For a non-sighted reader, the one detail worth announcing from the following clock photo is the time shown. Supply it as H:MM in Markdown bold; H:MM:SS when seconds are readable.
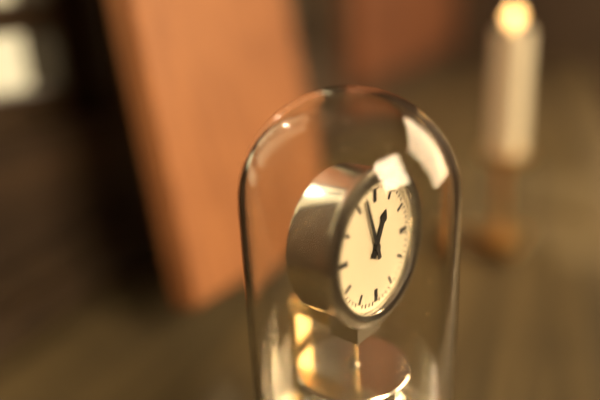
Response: **12:57**
